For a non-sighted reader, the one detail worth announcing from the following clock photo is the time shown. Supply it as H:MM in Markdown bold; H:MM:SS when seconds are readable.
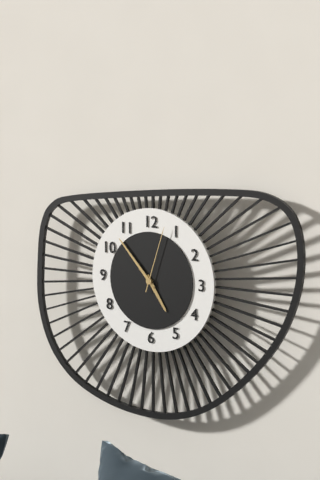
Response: **4:53:03**
